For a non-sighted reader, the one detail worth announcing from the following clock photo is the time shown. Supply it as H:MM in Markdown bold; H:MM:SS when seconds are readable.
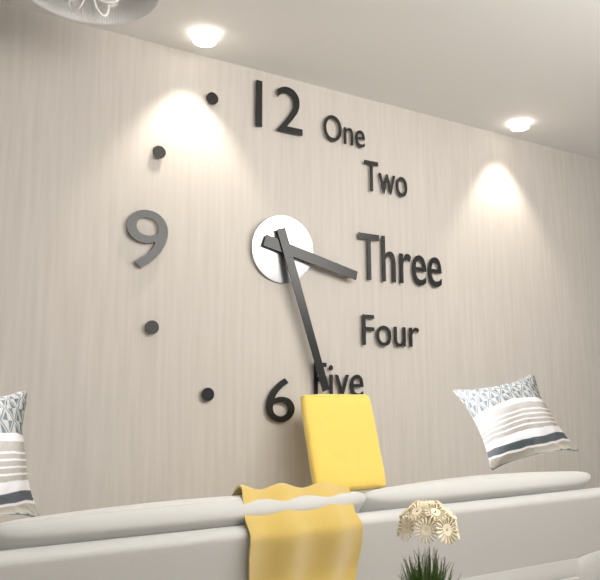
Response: **3:27**
